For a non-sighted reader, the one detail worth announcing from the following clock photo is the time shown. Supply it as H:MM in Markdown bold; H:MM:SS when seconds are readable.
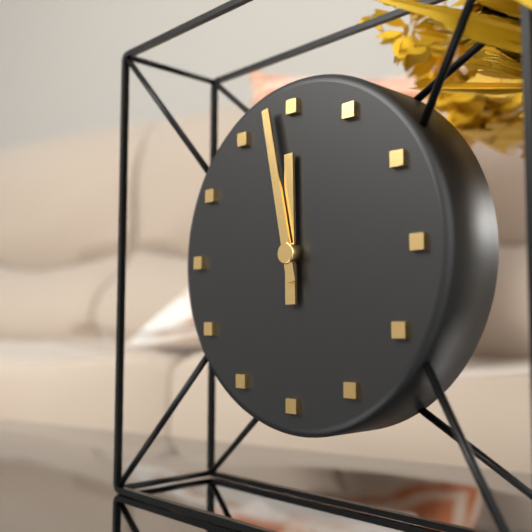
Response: **11:58**
